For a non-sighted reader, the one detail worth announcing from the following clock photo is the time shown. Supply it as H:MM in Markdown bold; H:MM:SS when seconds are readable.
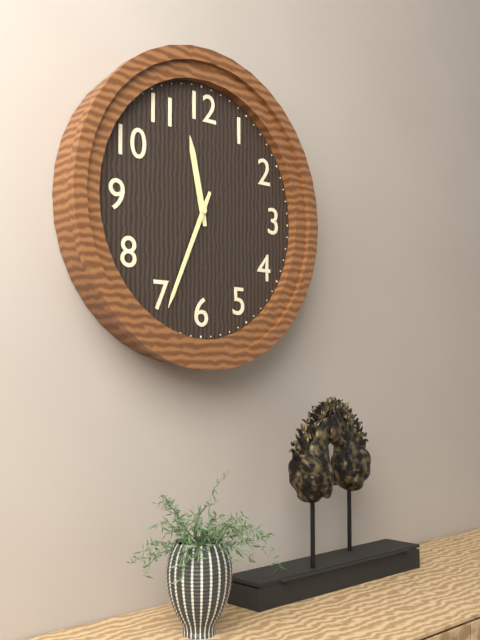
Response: **11:34**
